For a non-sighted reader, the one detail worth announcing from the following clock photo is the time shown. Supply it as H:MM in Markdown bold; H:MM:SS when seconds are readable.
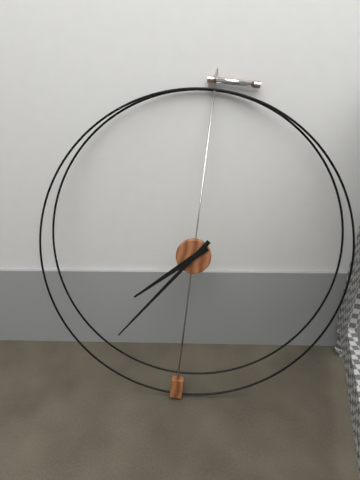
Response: **7:36**
